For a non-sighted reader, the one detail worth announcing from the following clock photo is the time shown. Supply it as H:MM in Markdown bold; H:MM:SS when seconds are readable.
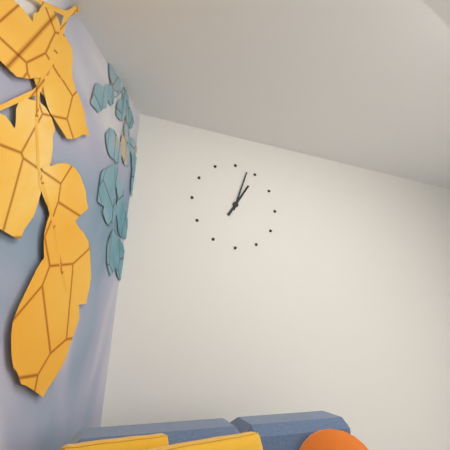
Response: **1:03**
